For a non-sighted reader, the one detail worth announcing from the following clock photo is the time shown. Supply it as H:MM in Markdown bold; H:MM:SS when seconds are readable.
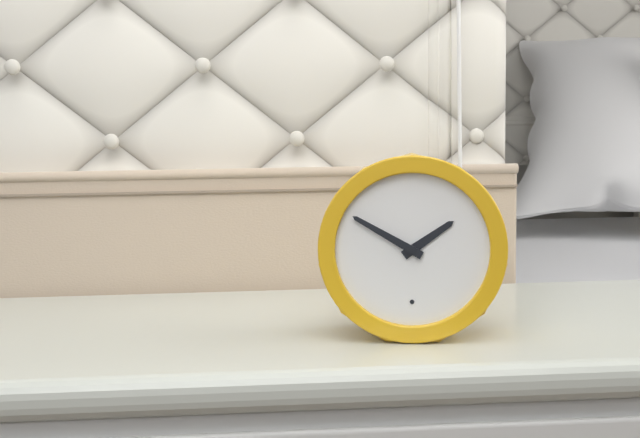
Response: **1:50**
